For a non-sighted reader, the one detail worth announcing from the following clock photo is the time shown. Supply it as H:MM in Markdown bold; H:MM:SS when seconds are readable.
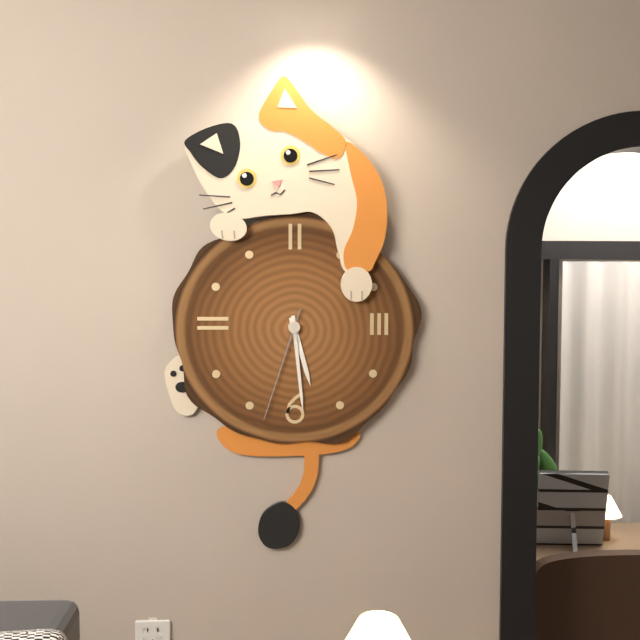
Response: **5:29:33**
